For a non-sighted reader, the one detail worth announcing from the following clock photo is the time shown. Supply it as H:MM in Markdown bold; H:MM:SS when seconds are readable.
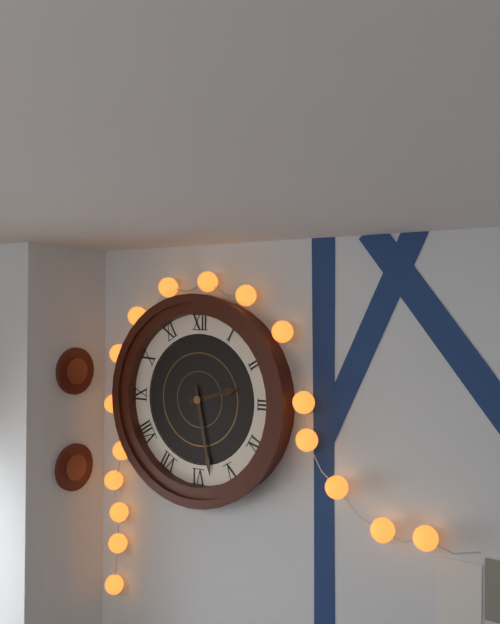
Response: **2:28**
